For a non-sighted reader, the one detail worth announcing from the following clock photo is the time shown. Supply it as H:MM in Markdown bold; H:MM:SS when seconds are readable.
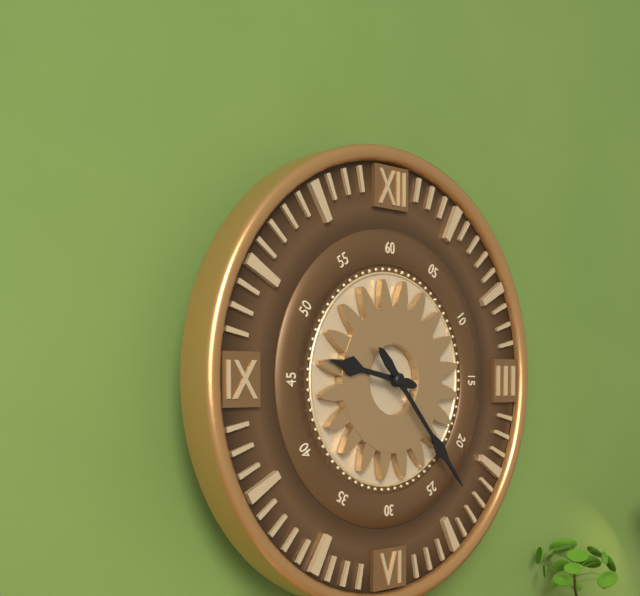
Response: **9:23**
